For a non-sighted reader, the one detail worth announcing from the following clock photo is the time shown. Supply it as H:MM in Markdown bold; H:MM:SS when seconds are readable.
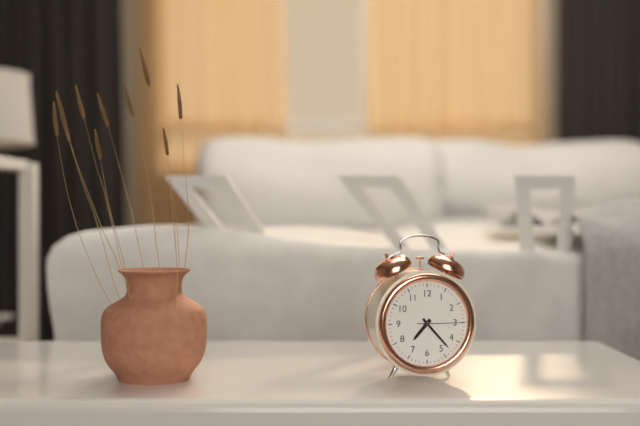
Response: **7:23**
